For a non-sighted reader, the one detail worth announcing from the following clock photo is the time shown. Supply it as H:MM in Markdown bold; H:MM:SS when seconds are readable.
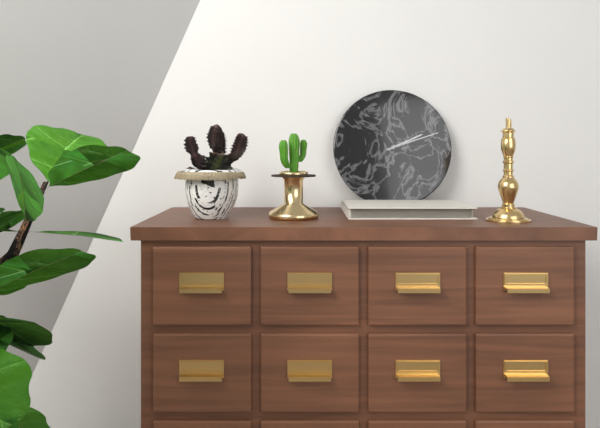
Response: **2:12**
